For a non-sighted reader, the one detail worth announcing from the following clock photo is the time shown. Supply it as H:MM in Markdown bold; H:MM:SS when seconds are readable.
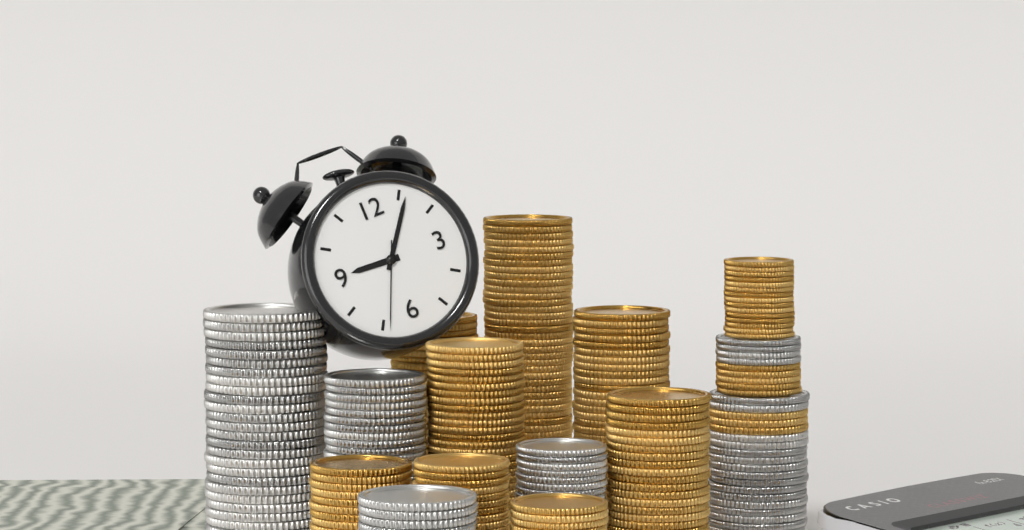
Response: **9:06:34**
